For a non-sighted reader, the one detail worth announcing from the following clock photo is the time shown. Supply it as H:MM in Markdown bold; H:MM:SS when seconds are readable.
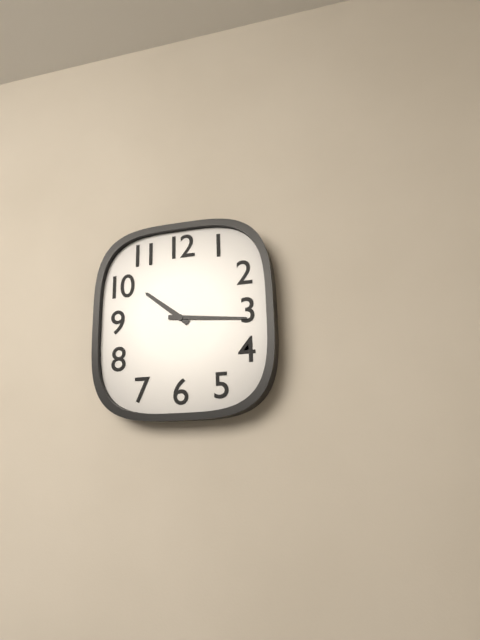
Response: **10:16**
